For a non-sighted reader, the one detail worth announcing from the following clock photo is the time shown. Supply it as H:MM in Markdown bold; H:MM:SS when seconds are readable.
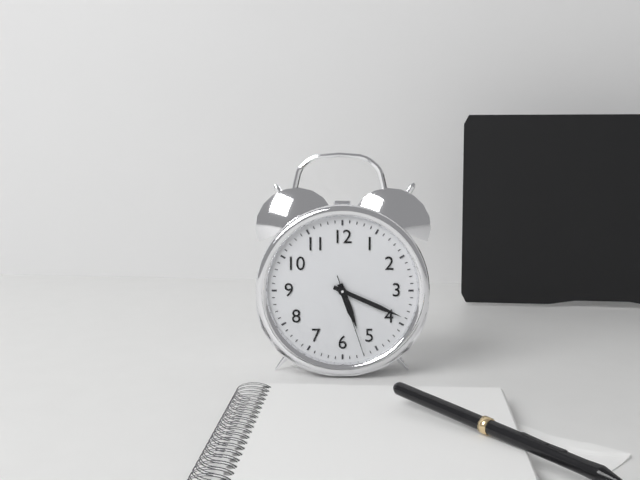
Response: **5:19:27**
